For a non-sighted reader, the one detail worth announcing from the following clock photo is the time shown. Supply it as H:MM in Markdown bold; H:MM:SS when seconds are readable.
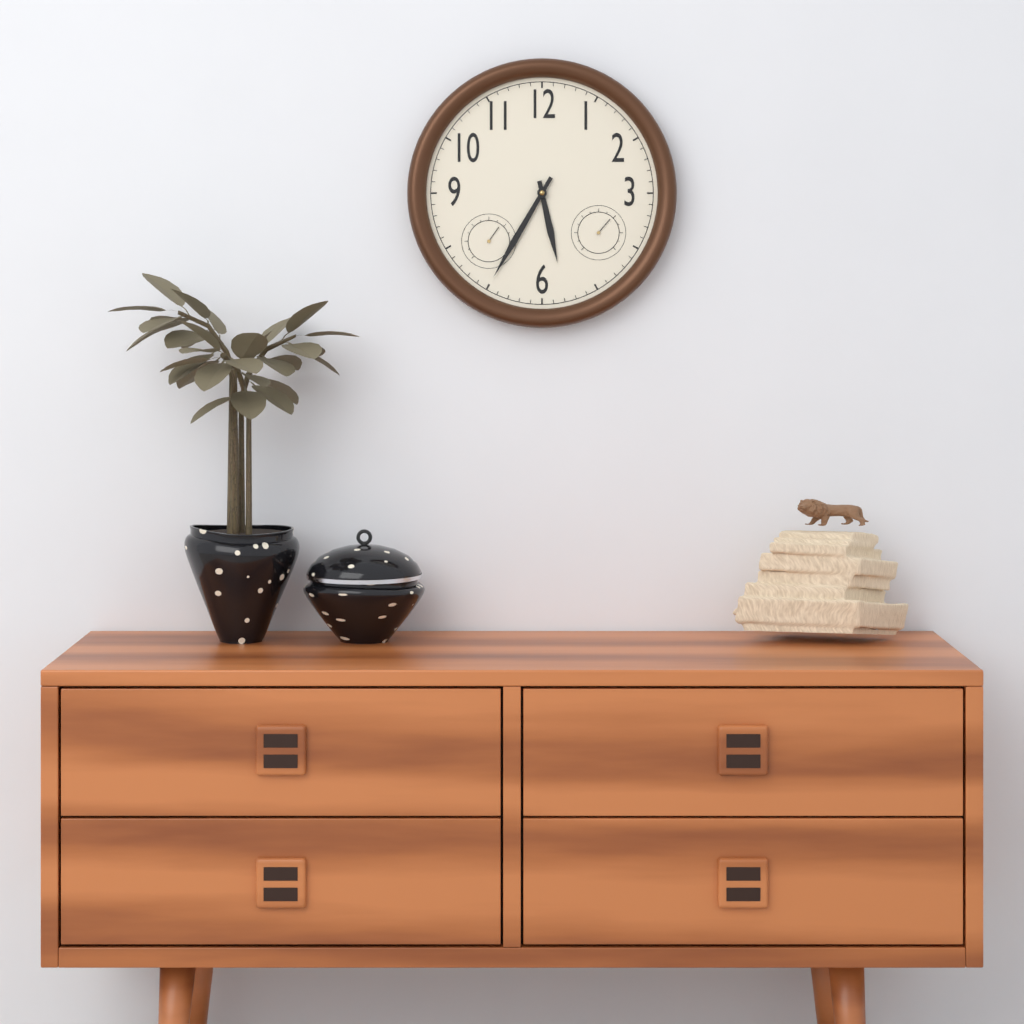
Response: **5:35**
